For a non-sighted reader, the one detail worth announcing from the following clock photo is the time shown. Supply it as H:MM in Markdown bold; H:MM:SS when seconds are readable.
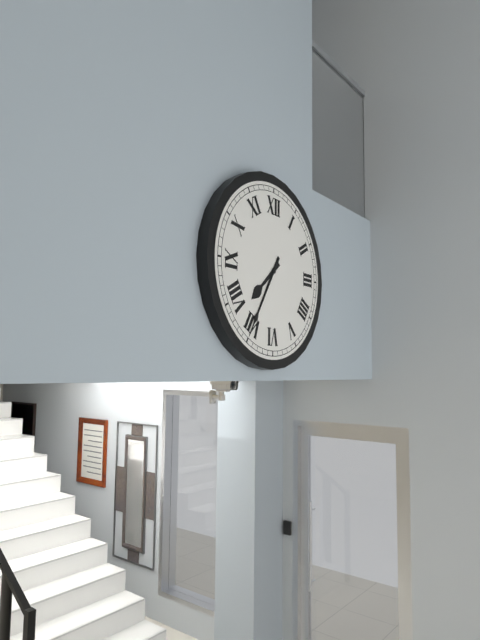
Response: **7:35**
